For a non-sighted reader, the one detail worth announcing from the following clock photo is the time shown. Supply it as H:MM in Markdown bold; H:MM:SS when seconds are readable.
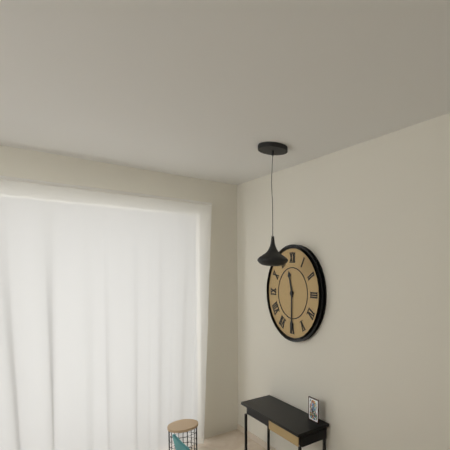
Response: **11:30**
